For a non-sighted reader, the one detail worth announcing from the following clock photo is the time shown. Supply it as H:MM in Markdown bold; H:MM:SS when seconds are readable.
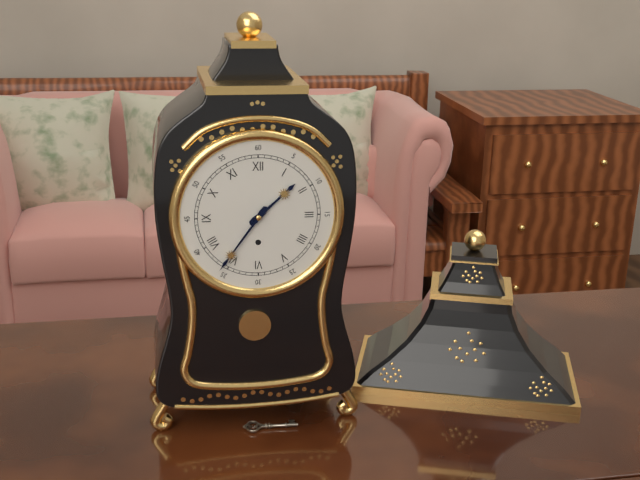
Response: **1:36**
